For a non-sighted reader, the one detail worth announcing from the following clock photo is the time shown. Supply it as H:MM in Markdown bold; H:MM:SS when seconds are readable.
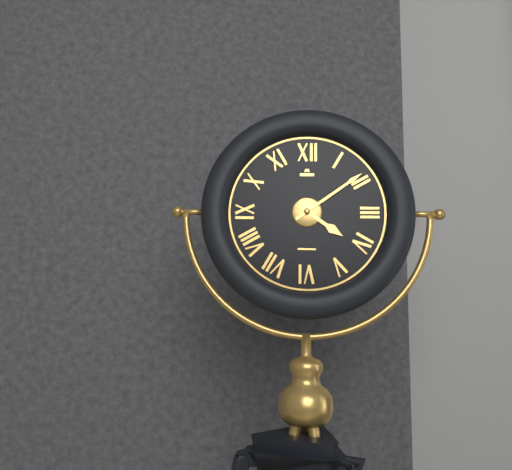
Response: **4:09**
